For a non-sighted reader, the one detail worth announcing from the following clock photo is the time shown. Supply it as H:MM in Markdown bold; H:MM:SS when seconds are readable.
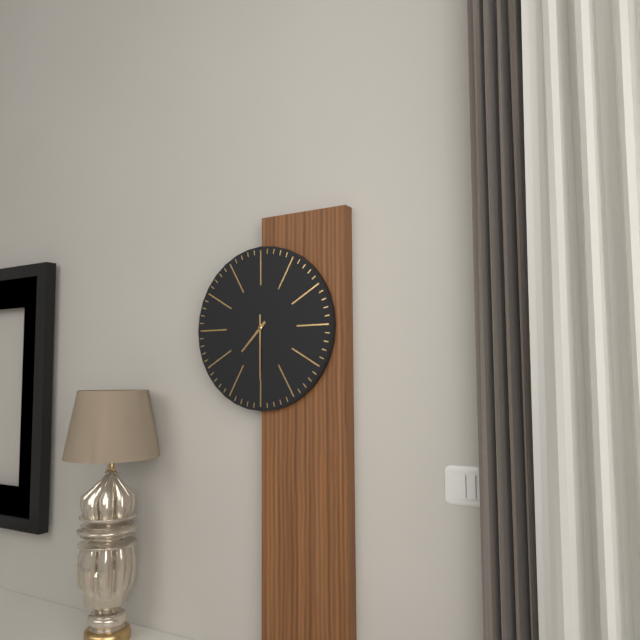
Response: **7:30**
